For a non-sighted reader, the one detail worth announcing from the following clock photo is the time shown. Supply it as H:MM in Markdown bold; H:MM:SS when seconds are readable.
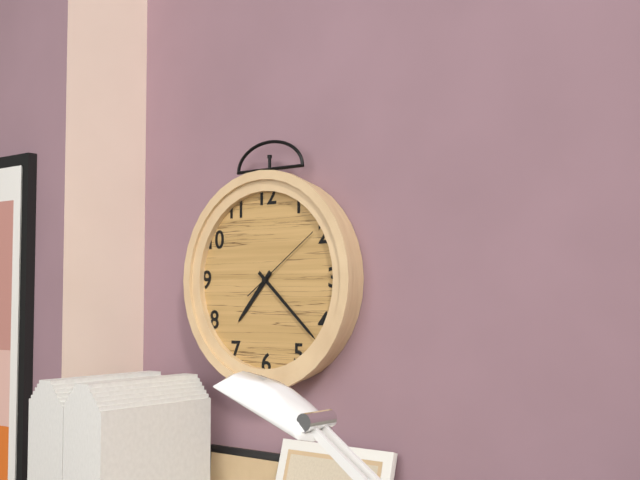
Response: **7:22:09**
